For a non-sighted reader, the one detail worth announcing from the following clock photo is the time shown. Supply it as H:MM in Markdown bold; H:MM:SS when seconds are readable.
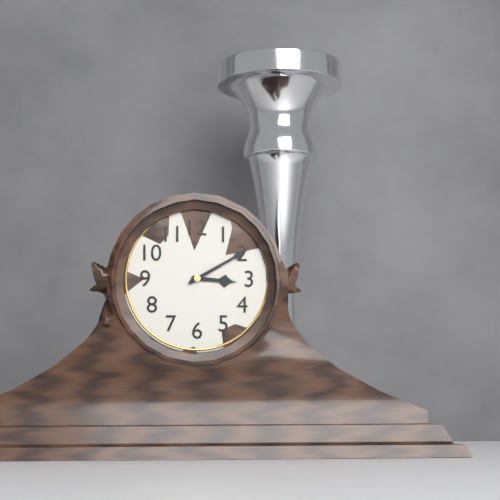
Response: **3:10**
